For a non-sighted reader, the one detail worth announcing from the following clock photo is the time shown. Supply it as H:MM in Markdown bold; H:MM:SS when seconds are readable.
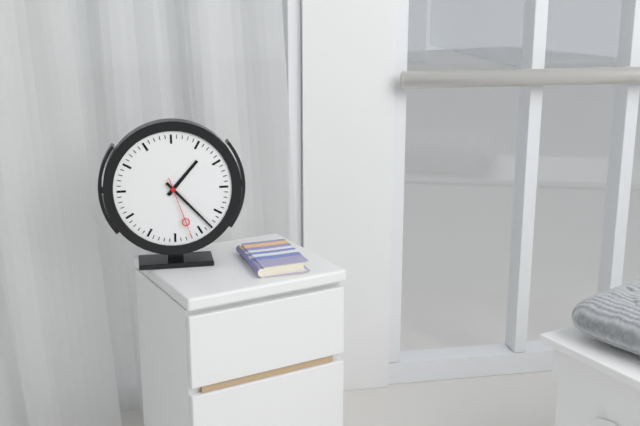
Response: **1:23:27**
